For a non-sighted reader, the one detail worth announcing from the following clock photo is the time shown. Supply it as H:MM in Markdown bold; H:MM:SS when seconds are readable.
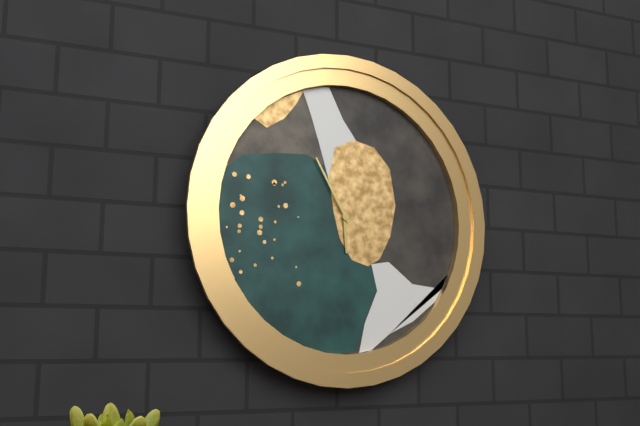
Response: **5:55**
